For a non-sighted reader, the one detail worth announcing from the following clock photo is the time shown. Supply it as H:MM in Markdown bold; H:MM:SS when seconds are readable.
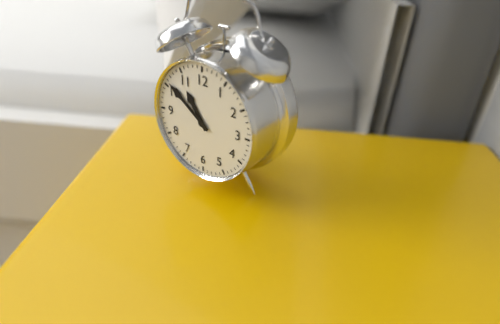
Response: **10:51**
